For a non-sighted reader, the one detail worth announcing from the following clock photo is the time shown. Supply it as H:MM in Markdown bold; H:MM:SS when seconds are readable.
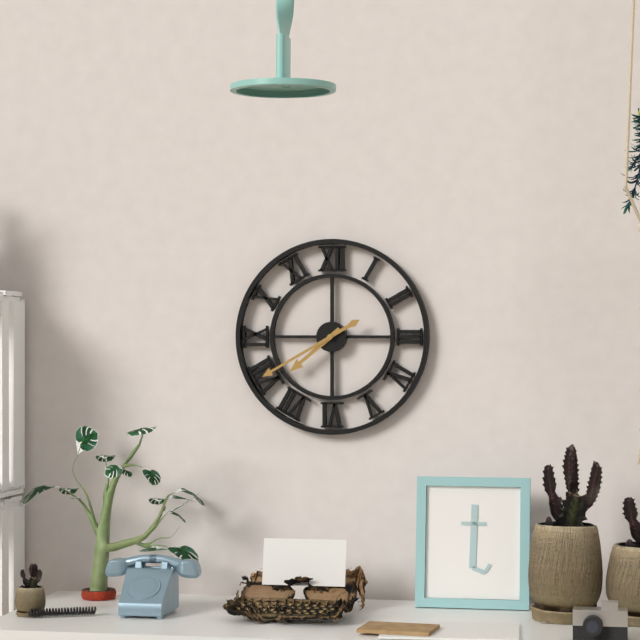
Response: **7:40**
